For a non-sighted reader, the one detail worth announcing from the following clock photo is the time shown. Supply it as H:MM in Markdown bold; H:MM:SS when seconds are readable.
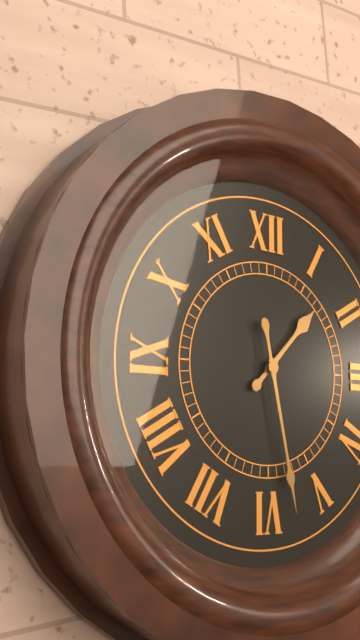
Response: **1:28**
